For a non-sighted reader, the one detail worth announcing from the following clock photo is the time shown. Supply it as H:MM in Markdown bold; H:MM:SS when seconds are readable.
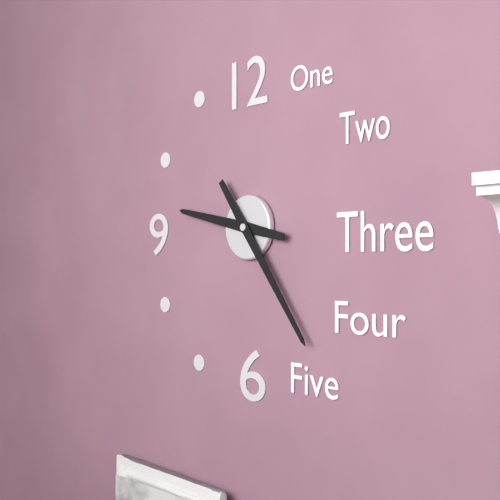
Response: **9:24**
